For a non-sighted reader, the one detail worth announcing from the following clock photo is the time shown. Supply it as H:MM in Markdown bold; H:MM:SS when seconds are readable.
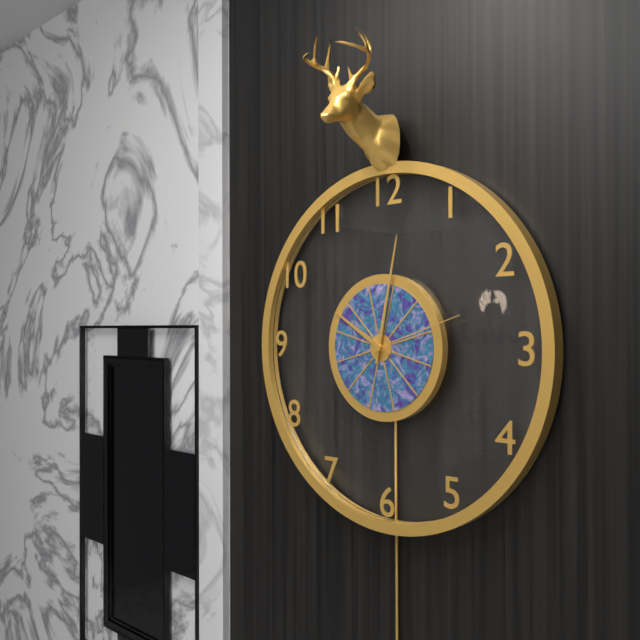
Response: **10:02:12**
